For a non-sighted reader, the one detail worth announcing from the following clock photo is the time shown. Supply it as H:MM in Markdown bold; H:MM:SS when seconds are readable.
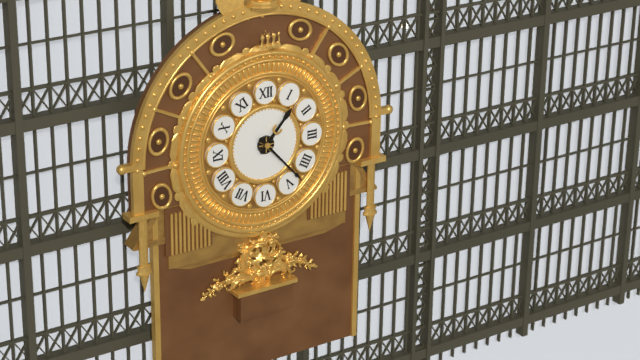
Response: **1:23**
